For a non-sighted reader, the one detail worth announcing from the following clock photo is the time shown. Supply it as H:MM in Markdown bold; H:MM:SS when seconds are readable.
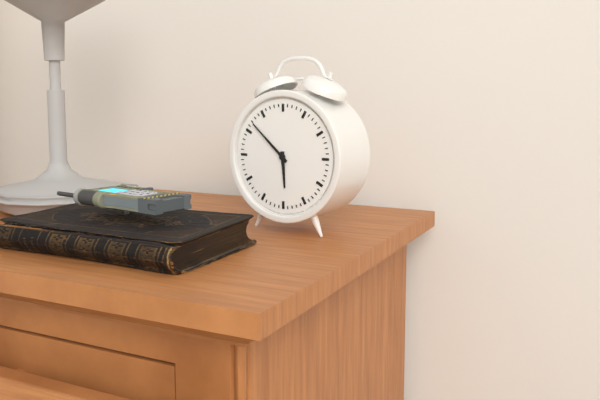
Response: **5:52**
